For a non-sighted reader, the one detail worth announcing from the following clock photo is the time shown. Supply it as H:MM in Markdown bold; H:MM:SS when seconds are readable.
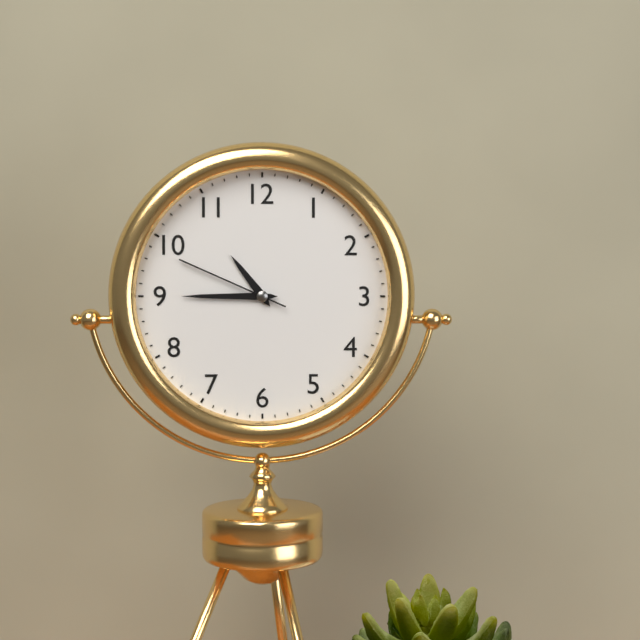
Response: **10:45:49**
